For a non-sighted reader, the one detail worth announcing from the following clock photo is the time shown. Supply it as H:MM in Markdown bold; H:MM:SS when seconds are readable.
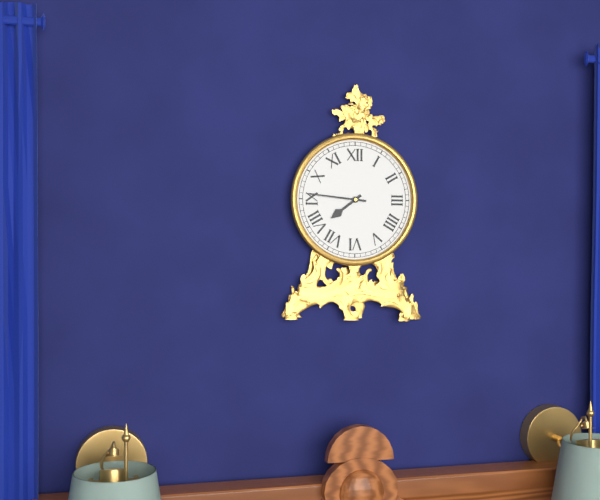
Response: **7:46**
